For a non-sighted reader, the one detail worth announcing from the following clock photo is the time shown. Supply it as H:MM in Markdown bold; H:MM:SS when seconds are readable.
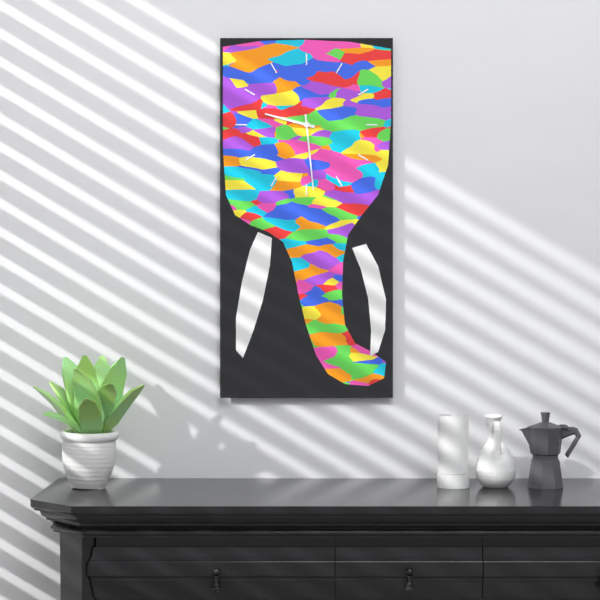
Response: **9:29**
